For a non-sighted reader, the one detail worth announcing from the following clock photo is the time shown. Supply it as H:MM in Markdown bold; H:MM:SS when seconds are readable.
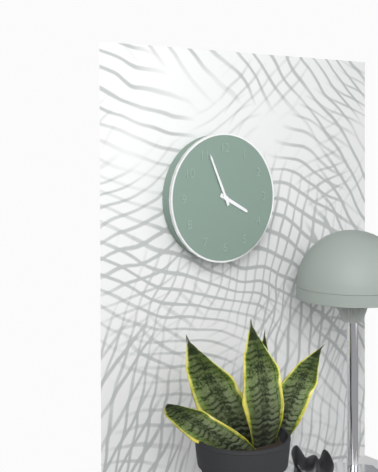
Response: **3:56**
